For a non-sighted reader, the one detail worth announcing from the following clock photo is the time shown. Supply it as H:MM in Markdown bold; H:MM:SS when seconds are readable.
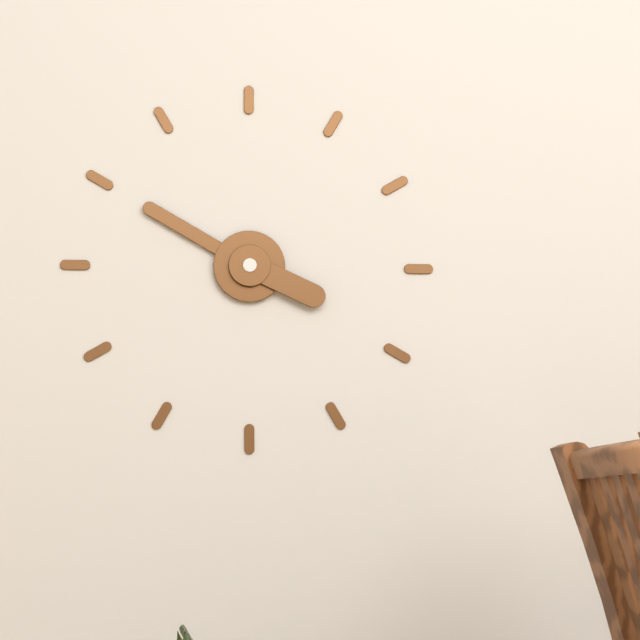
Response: **3:50**
